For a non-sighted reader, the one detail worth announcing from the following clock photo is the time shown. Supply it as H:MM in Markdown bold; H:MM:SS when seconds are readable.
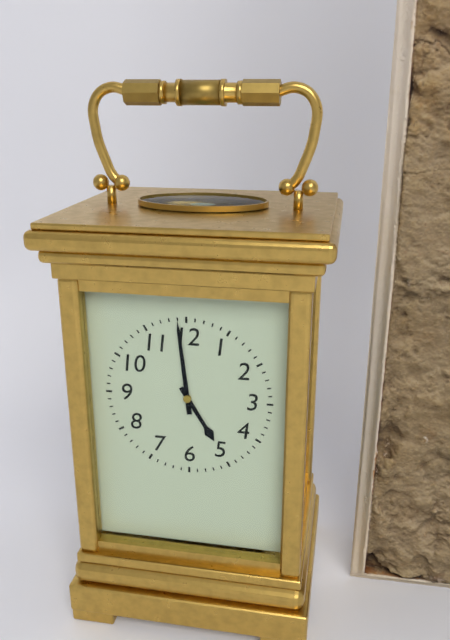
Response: **4:59**
